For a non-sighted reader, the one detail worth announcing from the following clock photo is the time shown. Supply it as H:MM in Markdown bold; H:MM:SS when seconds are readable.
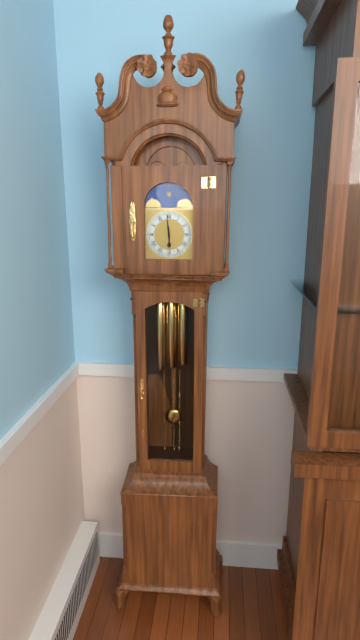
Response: **5:59**
